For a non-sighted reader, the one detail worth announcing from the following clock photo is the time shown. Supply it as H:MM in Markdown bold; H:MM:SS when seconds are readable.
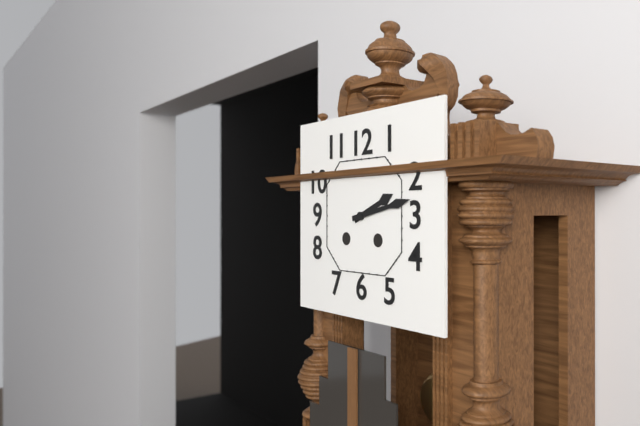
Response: **2:13**
